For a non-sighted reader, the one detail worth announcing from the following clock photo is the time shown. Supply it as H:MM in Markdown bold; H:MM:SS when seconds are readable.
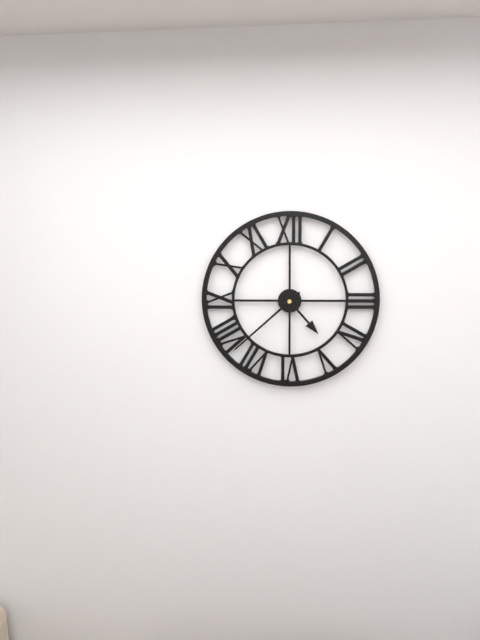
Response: **4:38**
